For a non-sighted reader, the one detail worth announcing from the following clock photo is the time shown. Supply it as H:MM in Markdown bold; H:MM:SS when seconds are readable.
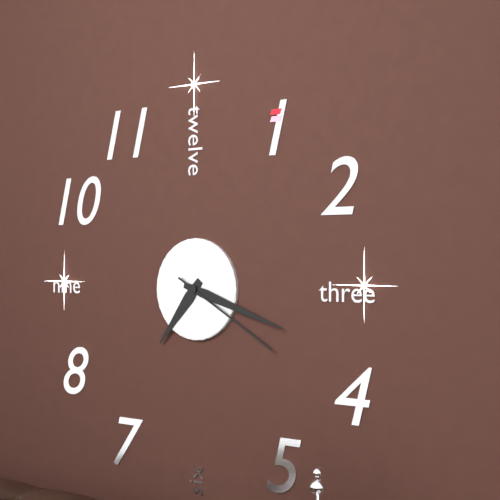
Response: **7:18:20**
